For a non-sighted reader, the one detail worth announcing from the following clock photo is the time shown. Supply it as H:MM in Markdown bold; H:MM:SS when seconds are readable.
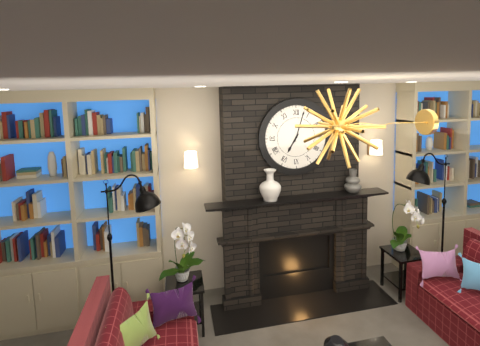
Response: **7:03**
